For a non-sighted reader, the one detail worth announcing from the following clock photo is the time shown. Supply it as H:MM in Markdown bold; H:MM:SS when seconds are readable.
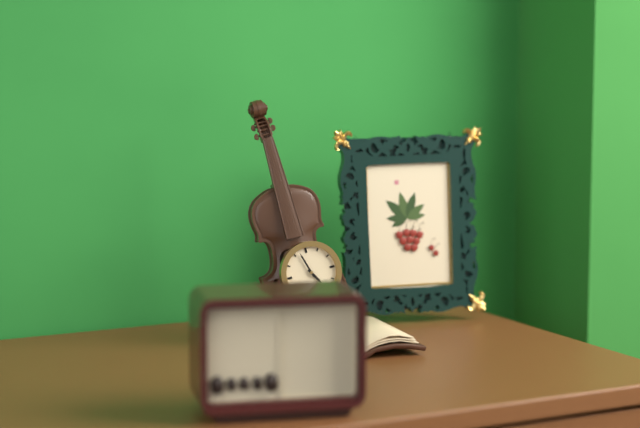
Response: **4:57**
